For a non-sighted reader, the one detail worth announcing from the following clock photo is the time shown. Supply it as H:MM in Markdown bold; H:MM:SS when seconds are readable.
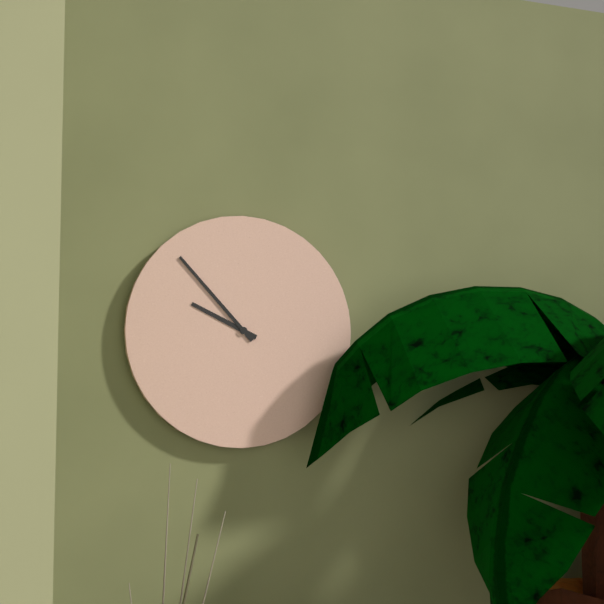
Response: **9:53**
